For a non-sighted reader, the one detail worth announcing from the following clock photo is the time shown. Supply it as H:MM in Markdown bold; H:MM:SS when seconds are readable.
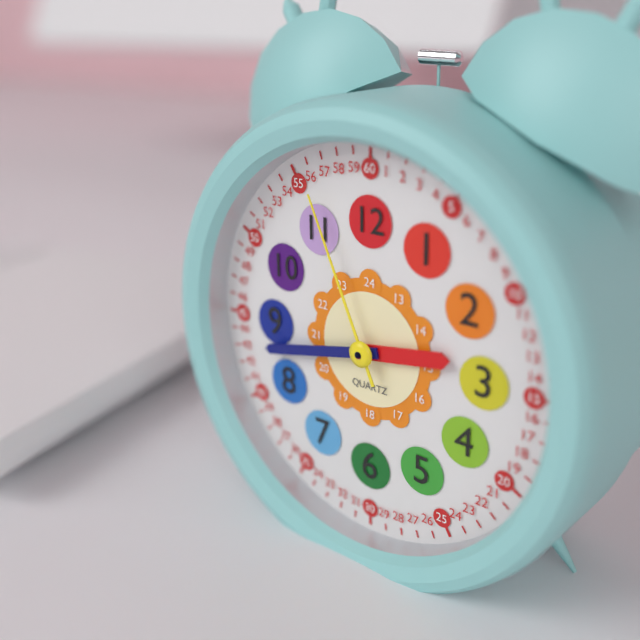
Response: **2:43:56**
